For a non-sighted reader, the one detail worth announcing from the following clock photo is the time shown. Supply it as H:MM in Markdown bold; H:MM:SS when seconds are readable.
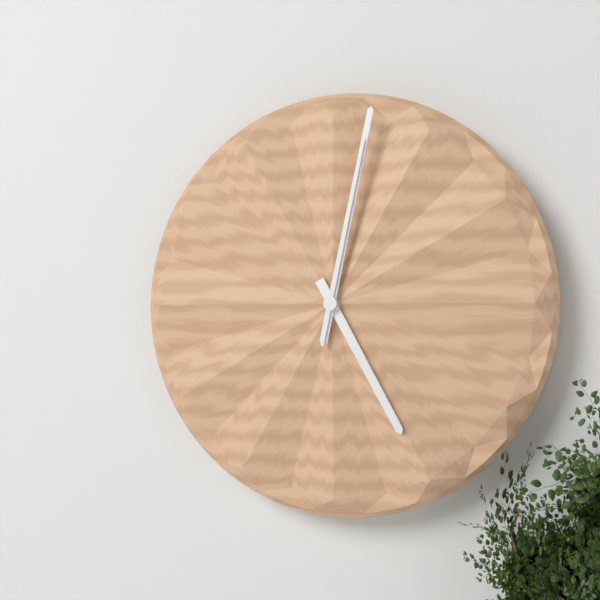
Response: **5:02:02**
